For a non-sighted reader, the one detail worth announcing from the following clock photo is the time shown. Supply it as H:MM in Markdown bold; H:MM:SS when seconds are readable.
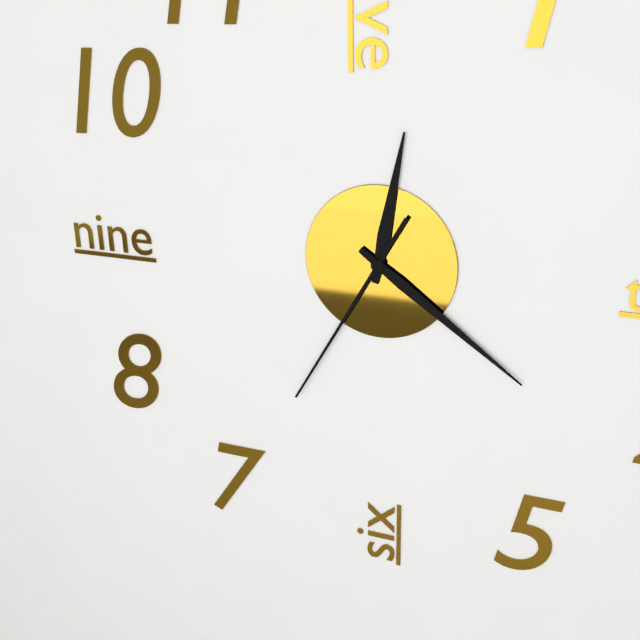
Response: **12:21:35**
